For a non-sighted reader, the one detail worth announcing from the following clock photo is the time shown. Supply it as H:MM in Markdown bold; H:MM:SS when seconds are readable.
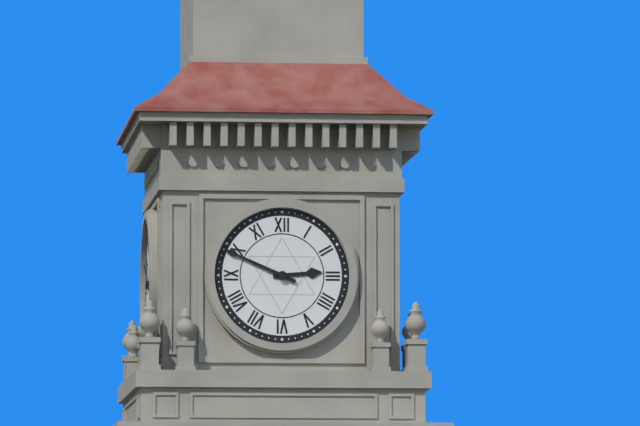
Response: **2:49**
